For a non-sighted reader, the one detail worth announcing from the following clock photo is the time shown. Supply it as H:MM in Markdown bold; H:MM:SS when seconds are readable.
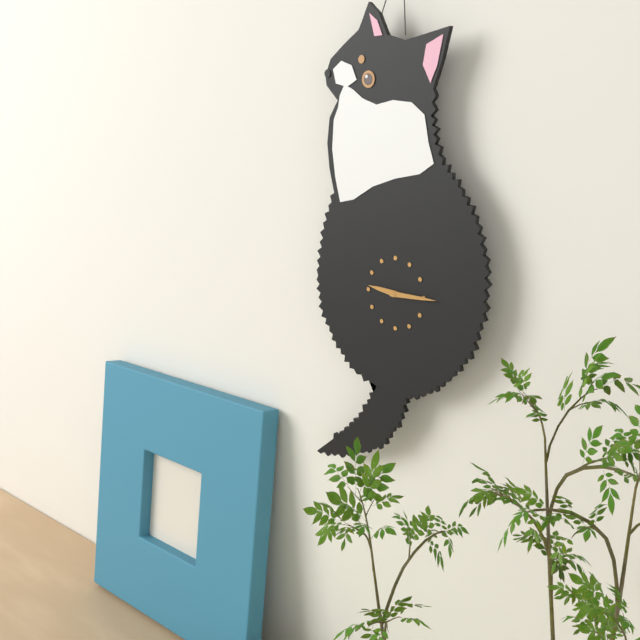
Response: **9:15**
